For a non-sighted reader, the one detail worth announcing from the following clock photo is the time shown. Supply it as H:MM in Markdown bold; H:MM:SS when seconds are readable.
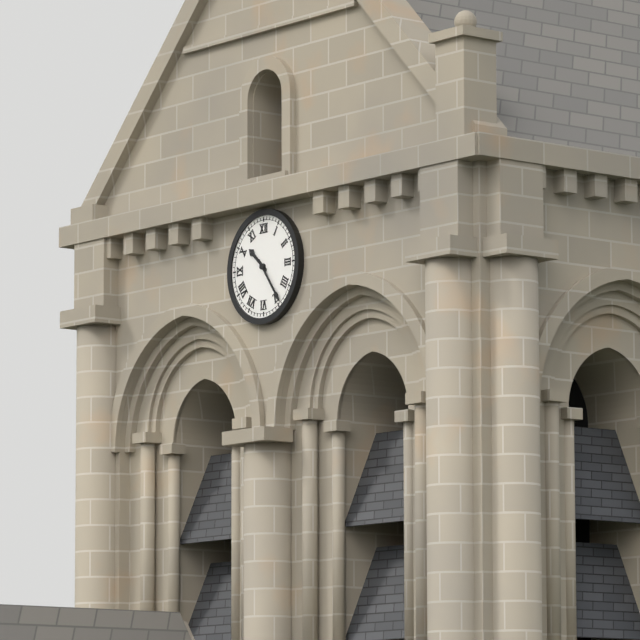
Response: **10:24**
